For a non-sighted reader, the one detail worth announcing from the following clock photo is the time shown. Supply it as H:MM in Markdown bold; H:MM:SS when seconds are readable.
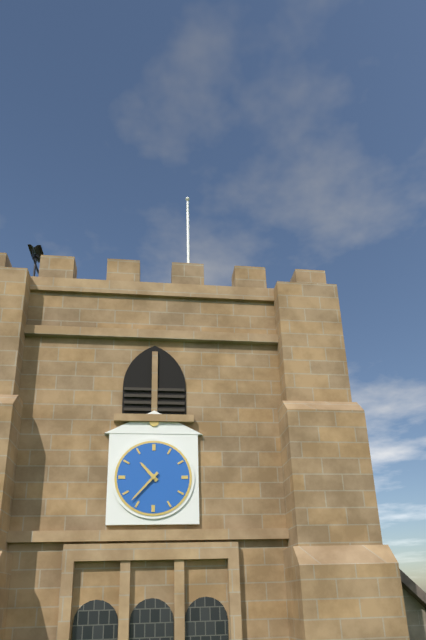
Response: **10:37**
